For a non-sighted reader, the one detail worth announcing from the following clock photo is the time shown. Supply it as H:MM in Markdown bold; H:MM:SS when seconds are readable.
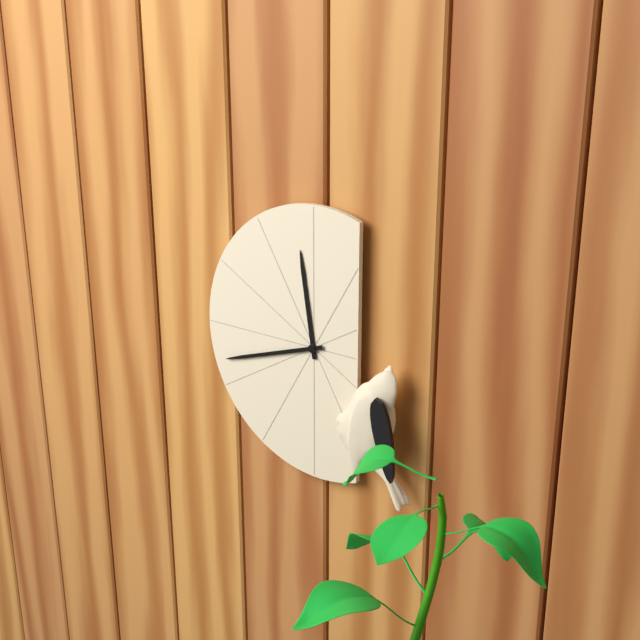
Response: **11:42**
